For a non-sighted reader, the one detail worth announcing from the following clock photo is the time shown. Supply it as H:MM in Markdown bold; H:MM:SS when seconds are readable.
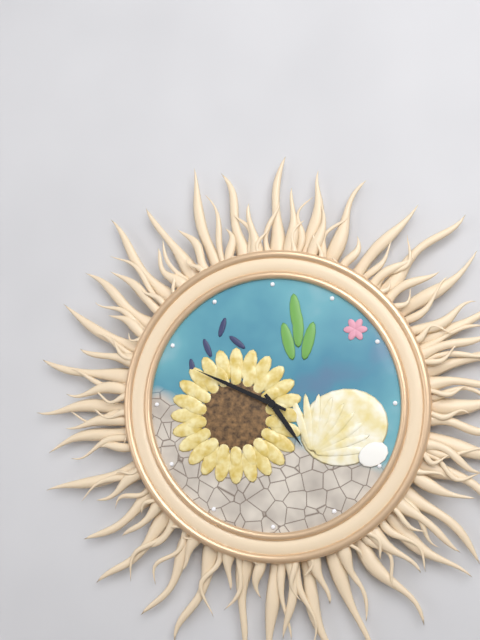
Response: **4:49**
